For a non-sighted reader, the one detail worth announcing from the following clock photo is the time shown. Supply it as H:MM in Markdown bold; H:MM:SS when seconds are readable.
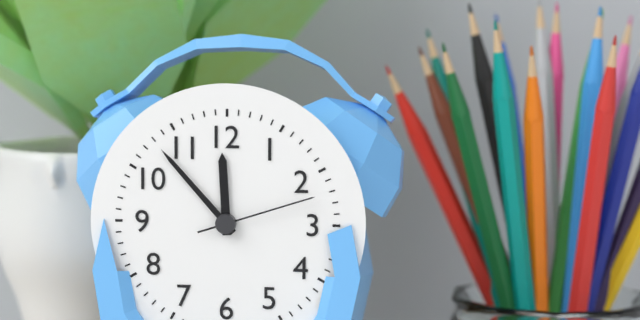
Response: **11:53:12**
